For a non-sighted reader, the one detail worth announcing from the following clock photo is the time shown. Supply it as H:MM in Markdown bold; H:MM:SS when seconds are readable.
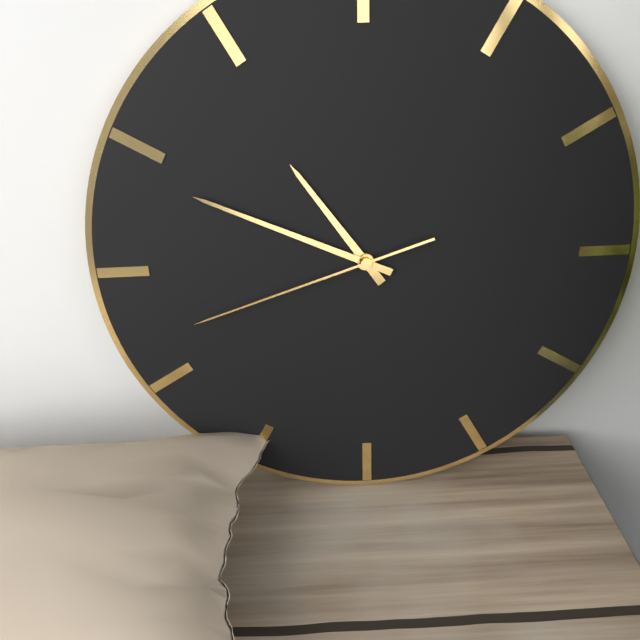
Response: **10:49:42**
